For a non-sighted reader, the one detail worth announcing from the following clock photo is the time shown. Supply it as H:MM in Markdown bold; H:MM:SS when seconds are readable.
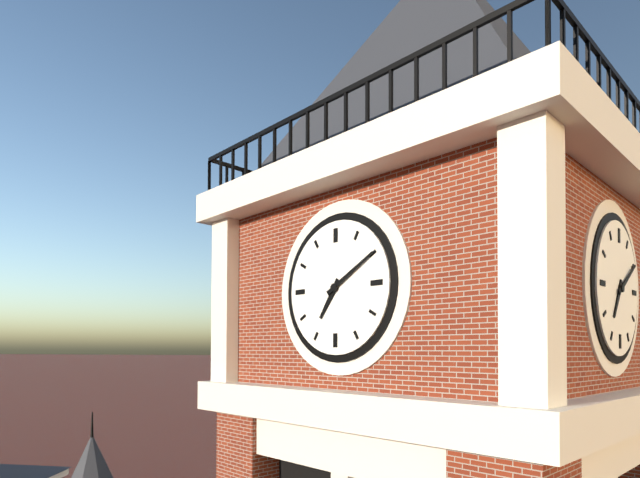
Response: **7:10**
